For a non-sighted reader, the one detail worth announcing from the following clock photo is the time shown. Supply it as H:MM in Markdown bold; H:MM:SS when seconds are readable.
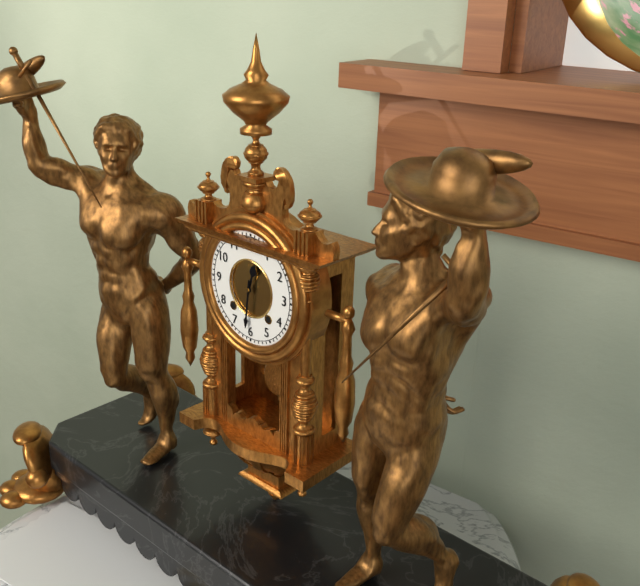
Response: **12:31**
